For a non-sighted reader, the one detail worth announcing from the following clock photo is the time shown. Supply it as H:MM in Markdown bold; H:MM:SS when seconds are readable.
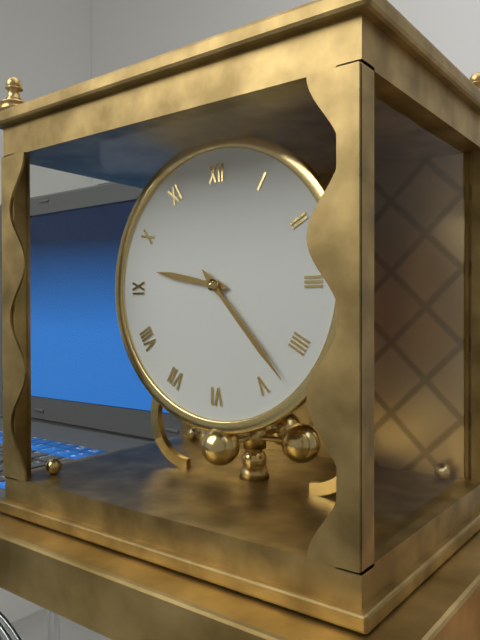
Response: **9:23**
